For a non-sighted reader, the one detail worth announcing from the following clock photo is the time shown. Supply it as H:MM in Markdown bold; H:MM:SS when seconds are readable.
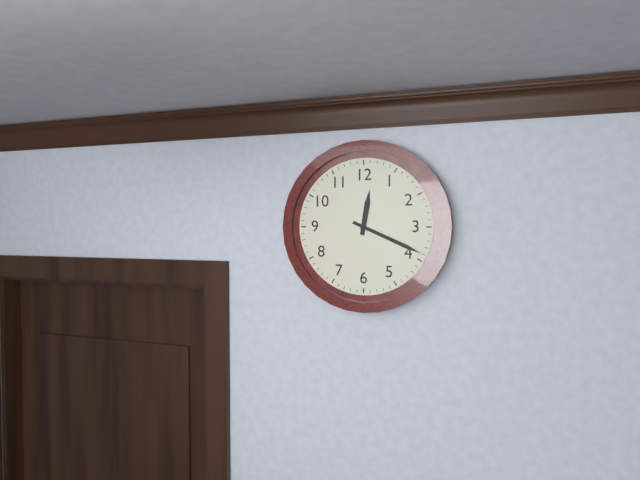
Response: **12:19**
